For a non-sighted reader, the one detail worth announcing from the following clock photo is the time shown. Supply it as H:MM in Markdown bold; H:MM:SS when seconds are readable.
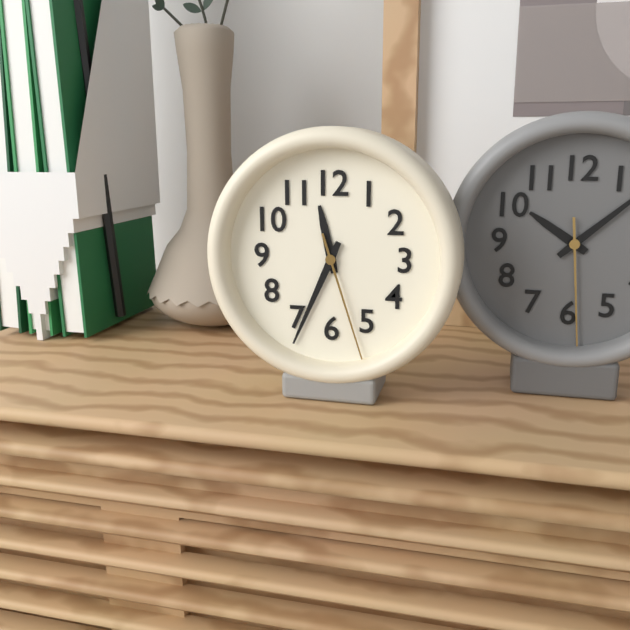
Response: **11:34:27**
